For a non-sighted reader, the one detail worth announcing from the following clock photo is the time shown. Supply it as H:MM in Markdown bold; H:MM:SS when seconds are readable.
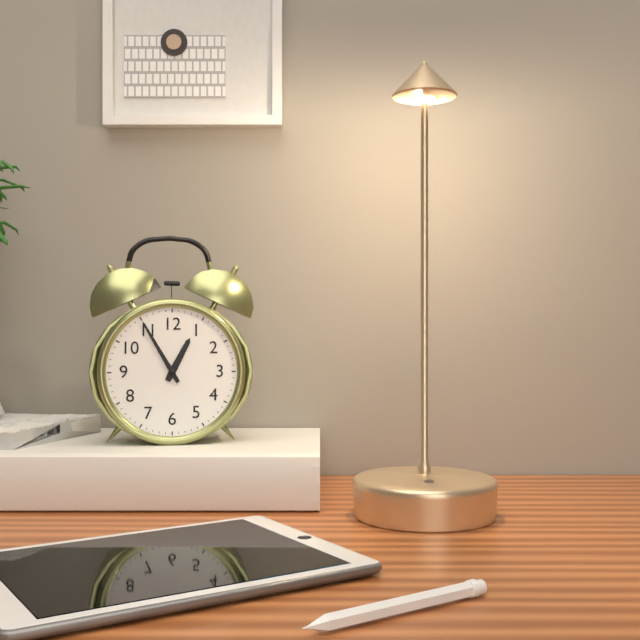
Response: **12:55**
